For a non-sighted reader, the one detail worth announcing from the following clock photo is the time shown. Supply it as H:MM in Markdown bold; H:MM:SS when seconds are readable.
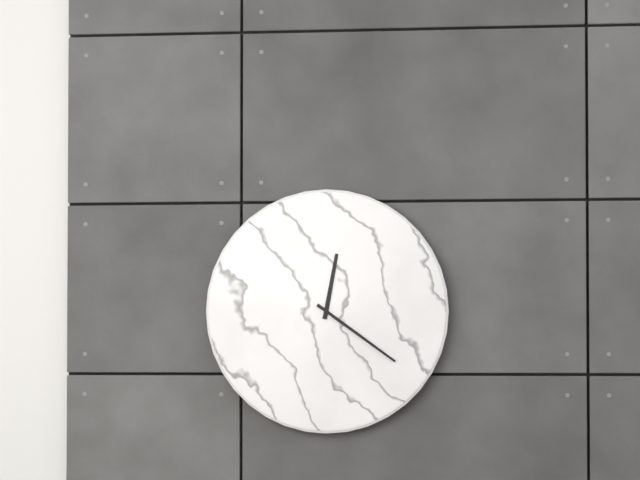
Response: **12:21**
